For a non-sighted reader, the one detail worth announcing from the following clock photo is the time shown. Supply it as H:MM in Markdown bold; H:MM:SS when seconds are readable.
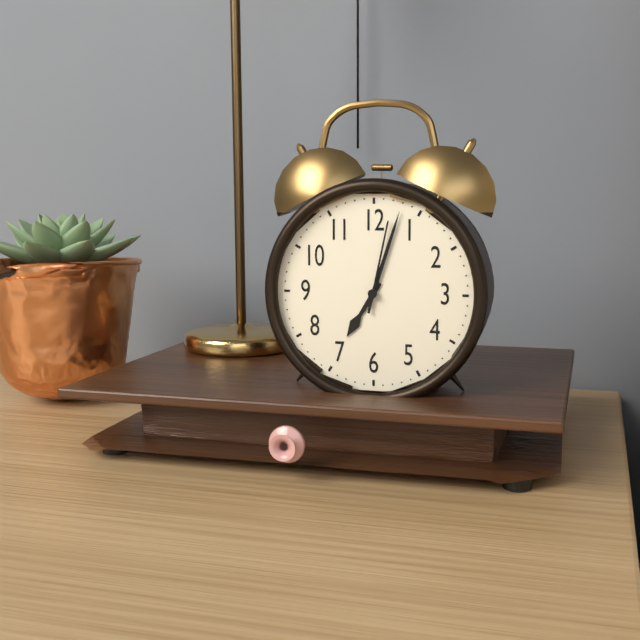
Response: **7:03:02**
